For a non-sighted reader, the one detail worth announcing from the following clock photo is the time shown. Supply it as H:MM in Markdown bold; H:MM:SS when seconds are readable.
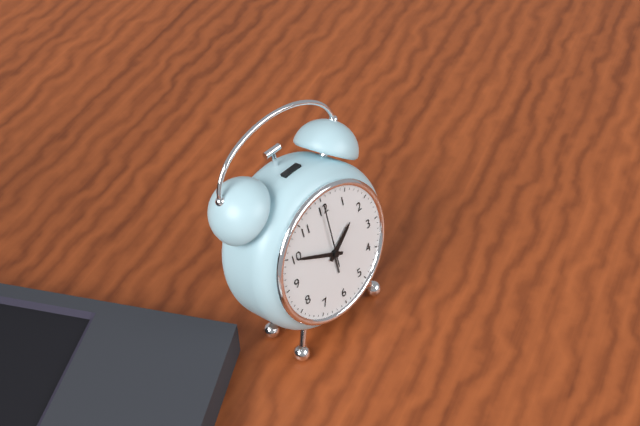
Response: **1:50:00**
